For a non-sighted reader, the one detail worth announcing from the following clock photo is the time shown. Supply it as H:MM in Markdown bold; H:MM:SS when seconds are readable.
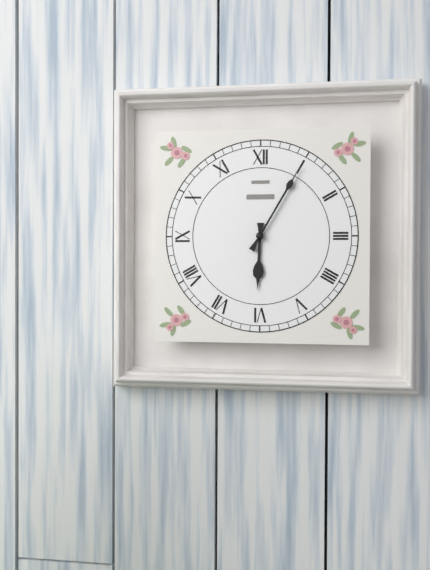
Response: **6:05**
